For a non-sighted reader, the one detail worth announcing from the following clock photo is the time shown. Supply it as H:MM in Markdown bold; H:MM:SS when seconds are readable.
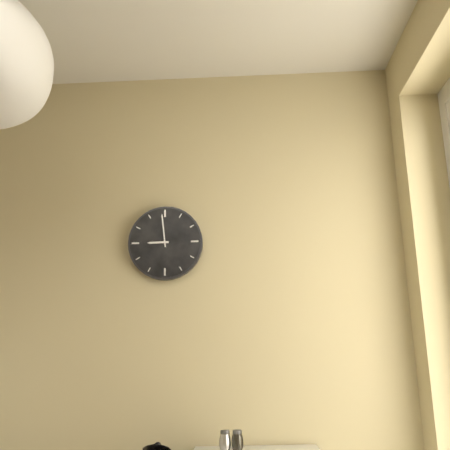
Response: **8:59**
